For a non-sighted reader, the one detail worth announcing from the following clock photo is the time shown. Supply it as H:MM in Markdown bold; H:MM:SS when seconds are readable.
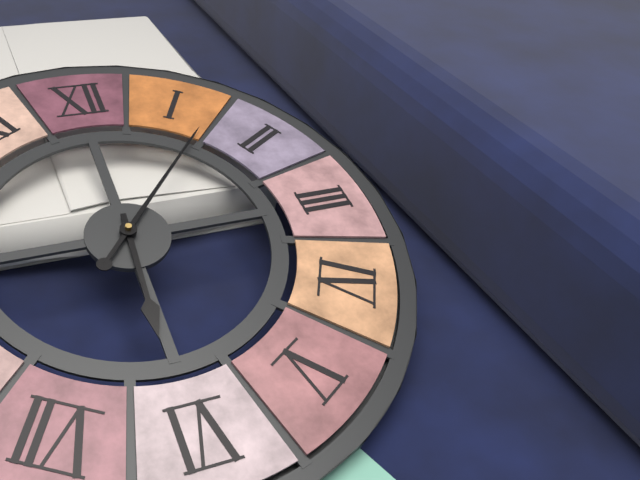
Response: **6:07**
